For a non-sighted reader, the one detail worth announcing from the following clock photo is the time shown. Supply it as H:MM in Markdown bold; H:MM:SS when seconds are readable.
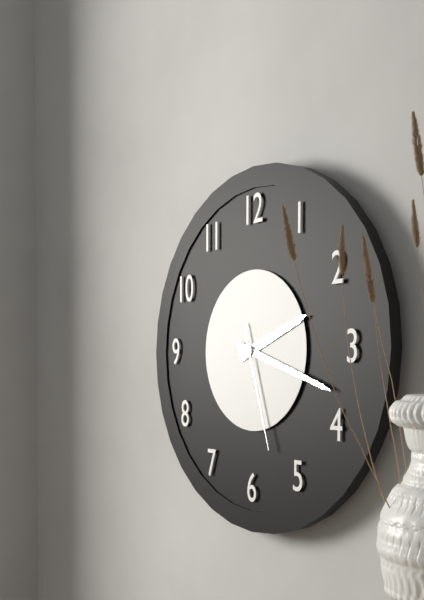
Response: **2:18:27**
